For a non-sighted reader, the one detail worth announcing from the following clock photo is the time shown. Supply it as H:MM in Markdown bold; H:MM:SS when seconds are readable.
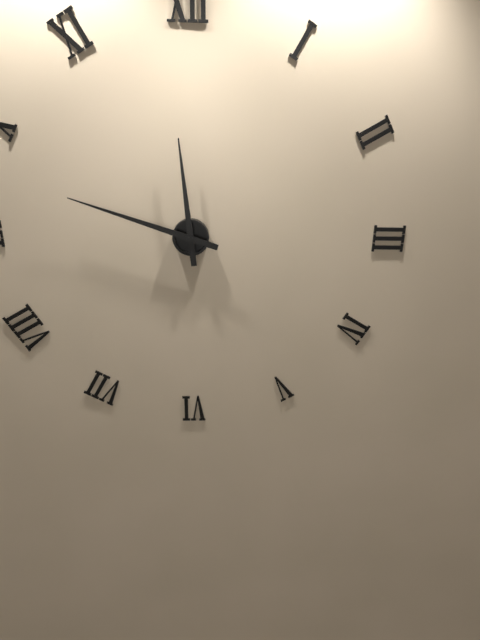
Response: **11:48**
